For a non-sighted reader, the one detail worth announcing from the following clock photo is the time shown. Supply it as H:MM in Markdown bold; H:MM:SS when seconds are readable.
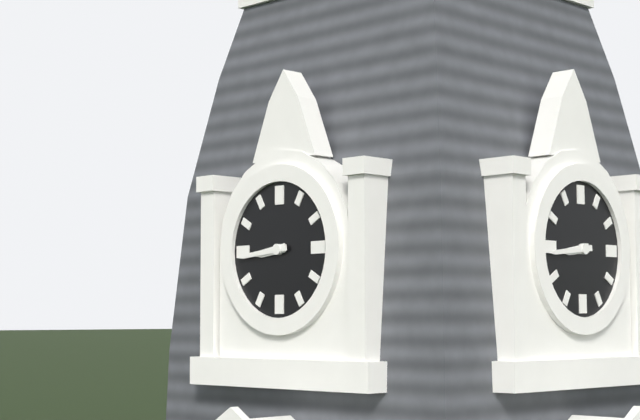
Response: **8:44**
